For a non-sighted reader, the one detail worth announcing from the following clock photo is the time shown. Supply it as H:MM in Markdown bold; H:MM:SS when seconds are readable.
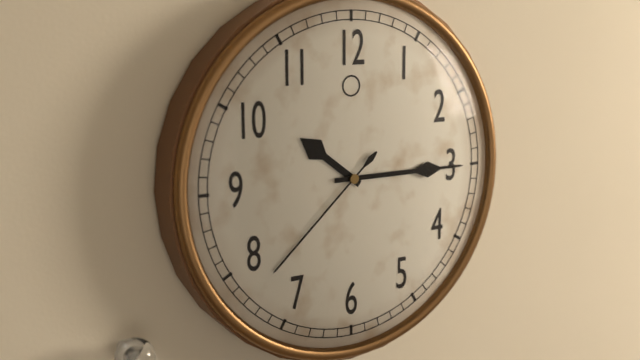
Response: **10:15:38**
